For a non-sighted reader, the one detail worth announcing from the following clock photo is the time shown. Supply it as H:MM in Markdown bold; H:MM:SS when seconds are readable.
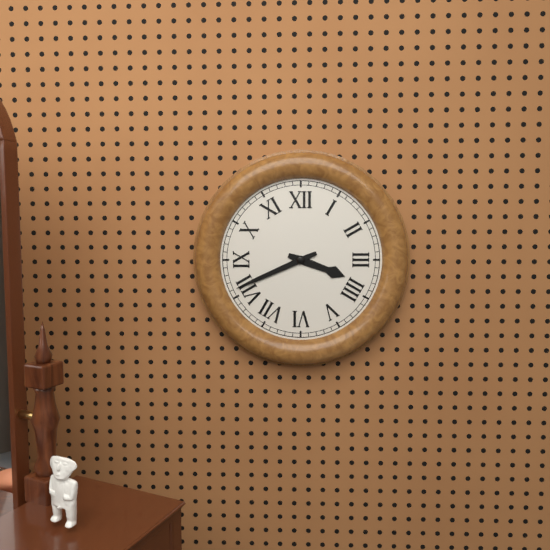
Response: **3:41**
